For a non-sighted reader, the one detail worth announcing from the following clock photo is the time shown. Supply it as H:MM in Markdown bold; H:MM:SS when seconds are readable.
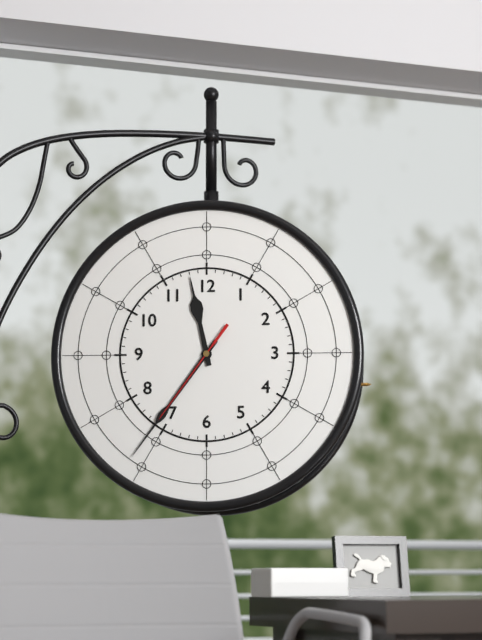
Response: **11:36:36**
